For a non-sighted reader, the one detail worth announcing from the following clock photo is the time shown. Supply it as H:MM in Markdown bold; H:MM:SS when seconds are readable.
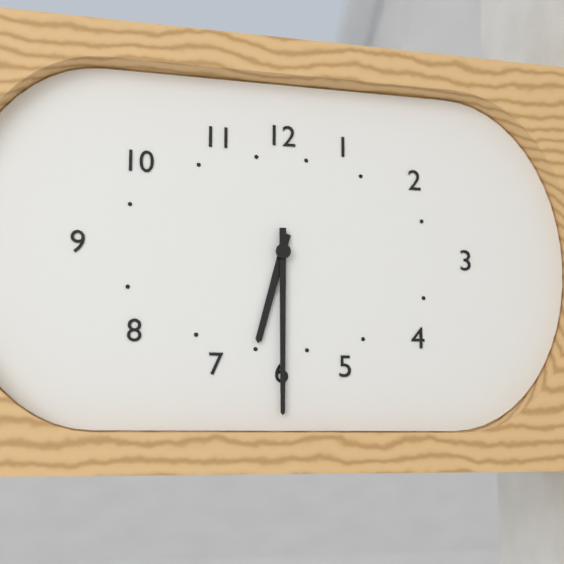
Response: **6:30**
